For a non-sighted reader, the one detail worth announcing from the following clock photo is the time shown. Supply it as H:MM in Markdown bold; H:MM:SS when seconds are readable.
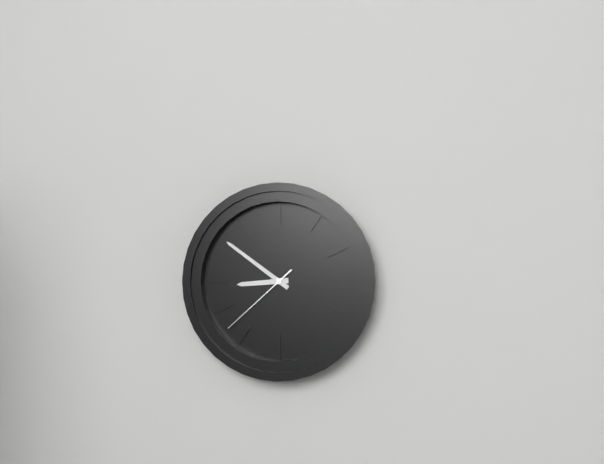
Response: **8:51:38**
